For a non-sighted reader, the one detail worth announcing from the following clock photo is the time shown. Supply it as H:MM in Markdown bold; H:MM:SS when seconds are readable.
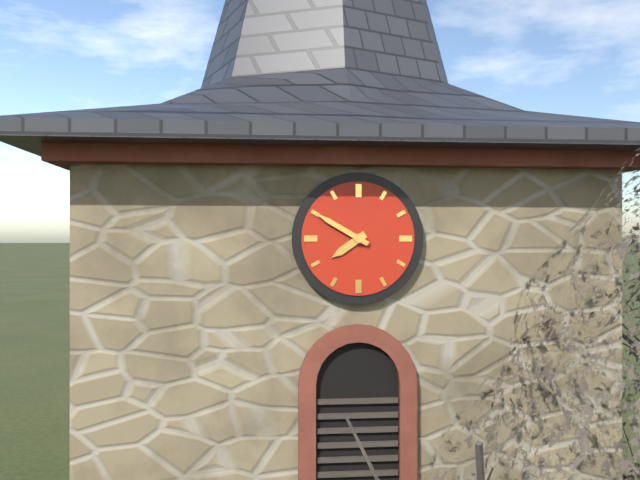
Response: **7:50**
